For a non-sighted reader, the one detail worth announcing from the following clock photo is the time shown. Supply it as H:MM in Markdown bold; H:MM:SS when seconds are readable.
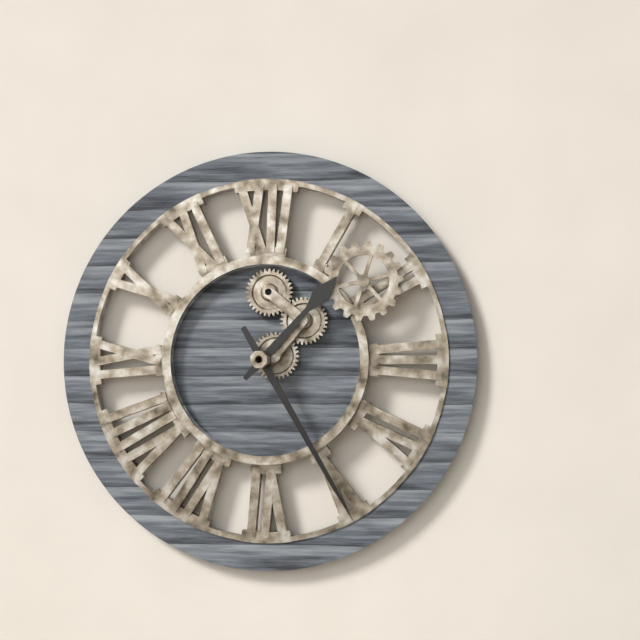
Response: **1:25**
